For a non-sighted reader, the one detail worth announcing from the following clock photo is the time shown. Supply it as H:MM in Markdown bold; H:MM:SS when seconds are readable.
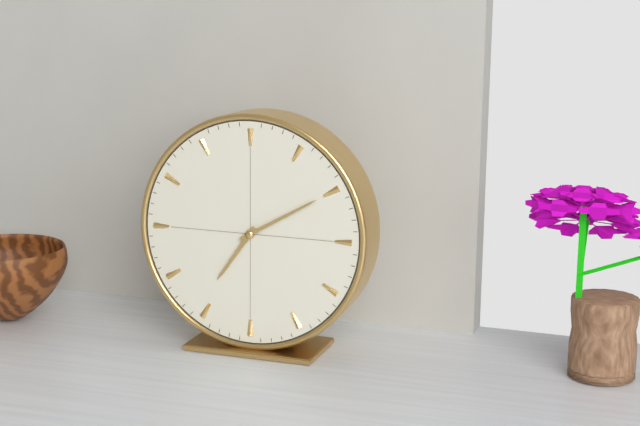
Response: **7:10**
